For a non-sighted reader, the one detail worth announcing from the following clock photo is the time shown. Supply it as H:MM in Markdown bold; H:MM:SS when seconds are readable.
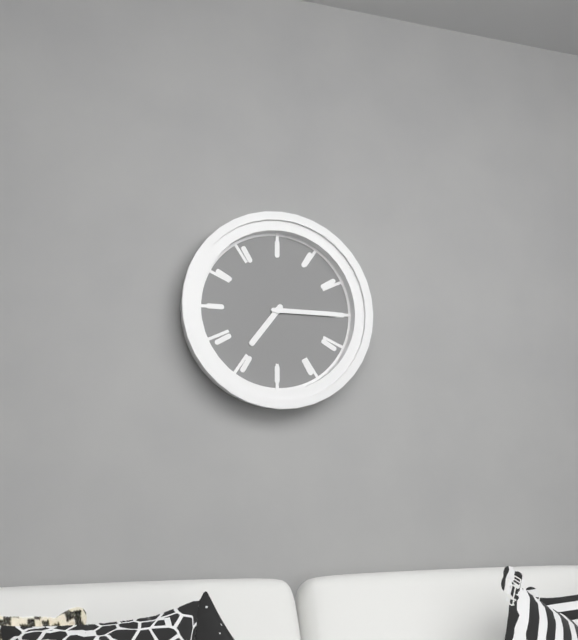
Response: **7:15**
